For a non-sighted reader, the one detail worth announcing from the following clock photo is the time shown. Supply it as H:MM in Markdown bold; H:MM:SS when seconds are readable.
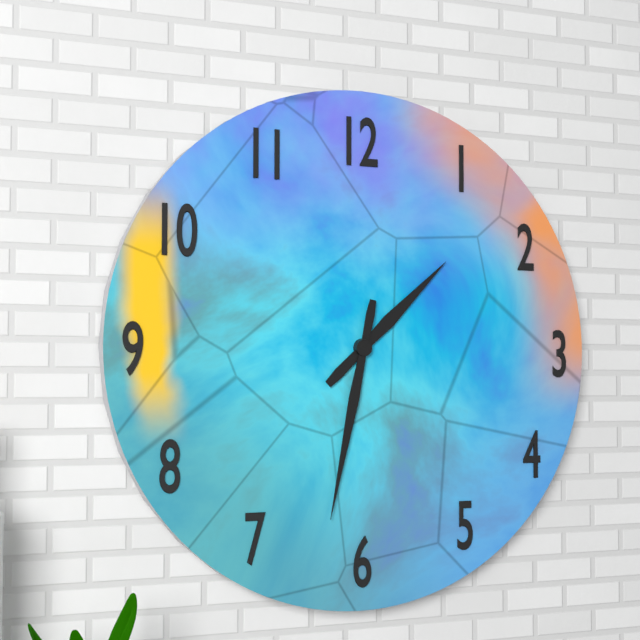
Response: **1:32**
